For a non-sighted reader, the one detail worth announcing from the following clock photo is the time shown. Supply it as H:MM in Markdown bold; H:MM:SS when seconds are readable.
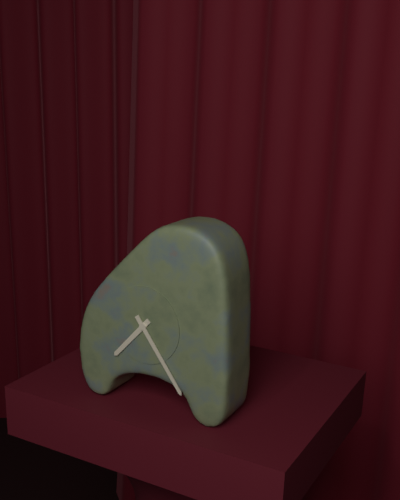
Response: **7:24**
